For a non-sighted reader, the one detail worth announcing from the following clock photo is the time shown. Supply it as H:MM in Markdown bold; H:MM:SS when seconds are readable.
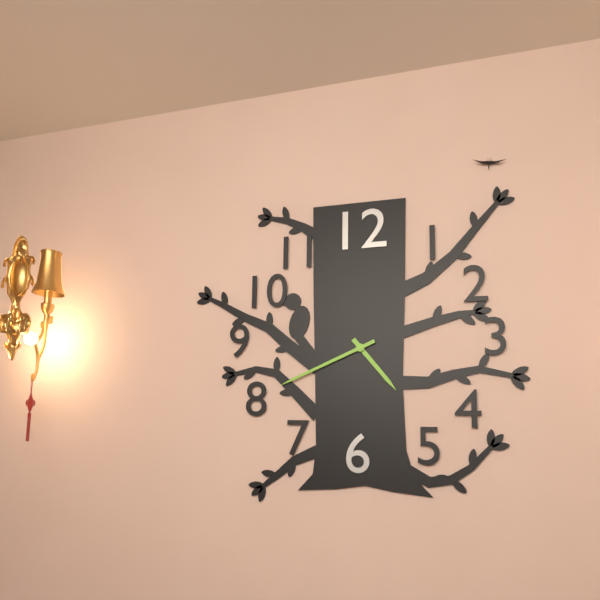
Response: **4:41**
